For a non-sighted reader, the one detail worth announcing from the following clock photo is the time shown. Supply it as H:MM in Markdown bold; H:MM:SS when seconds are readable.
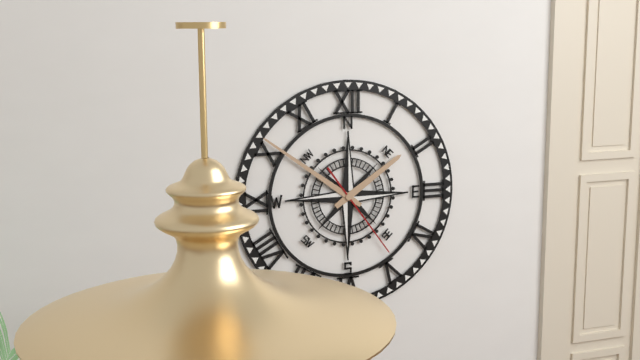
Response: **1:51:24**
